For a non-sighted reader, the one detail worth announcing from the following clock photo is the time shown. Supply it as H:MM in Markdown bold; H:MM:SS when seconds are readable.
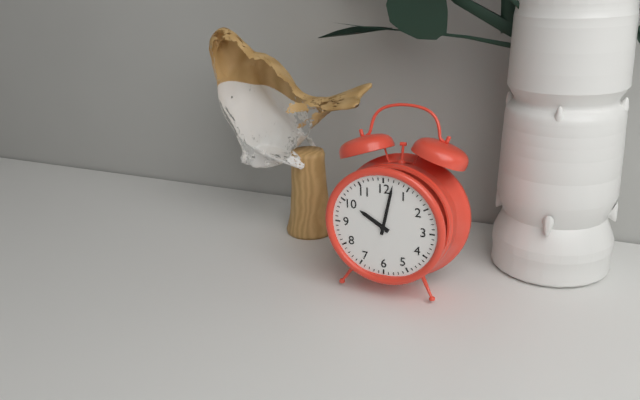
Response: **10:02**
